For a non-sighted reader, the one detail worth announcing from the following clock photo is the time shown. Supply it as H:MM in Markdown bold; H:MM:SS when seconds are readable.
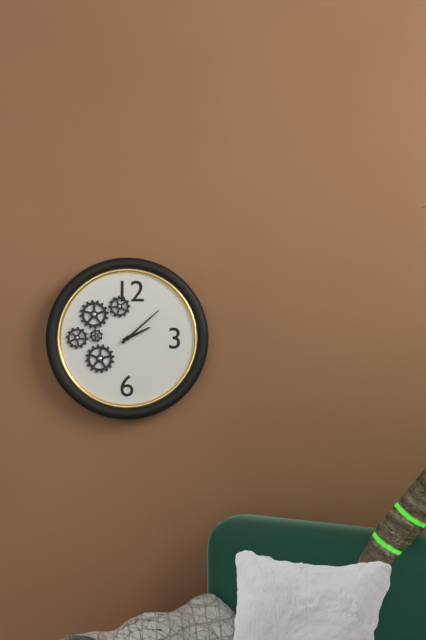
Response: **2:08**
